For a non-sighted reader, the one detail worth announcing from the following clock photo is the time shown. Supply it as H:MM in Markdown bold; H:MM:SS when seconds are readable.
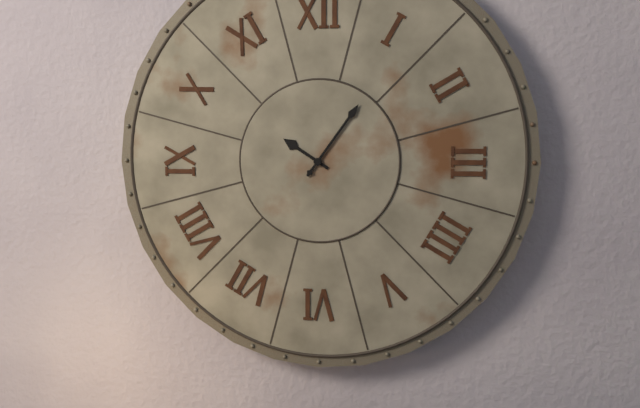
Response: **10:06**
